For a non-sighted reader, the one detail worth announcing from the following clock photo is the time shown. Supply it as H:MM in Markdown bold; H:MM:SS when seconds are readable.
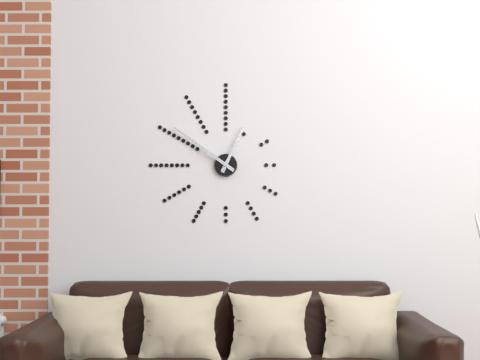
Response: **12:51**
